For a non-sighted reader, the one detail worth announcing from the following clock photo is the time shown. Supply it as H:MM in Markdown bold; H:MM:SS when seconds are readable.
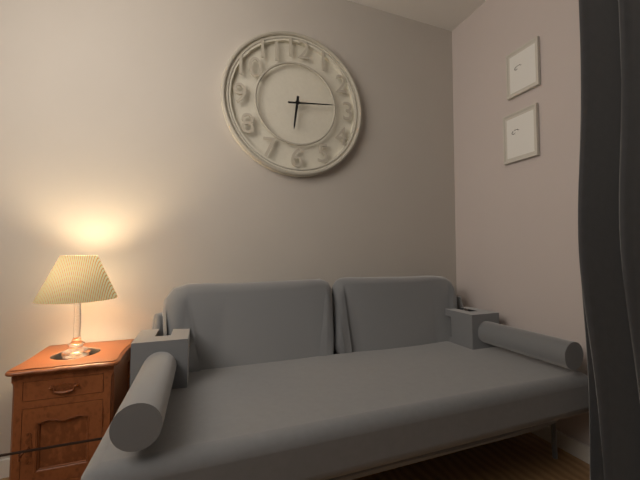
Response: **6:14**
